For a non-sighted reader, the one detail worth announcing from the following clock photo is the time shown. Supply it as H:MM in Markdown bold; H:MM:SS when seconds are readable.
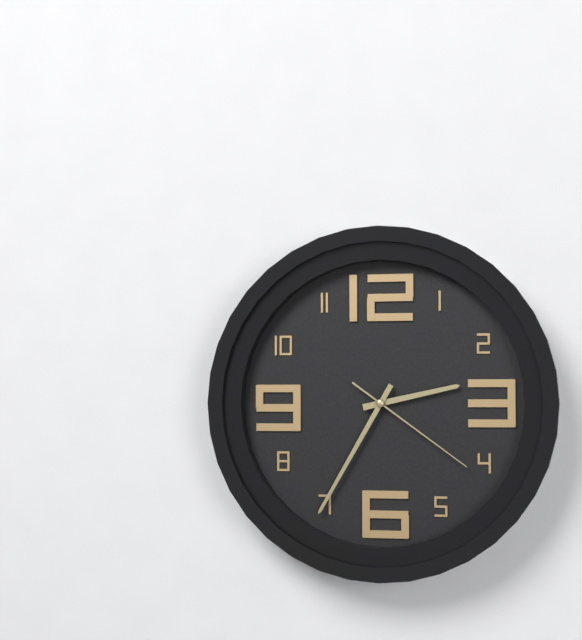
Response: **2:35:21**
